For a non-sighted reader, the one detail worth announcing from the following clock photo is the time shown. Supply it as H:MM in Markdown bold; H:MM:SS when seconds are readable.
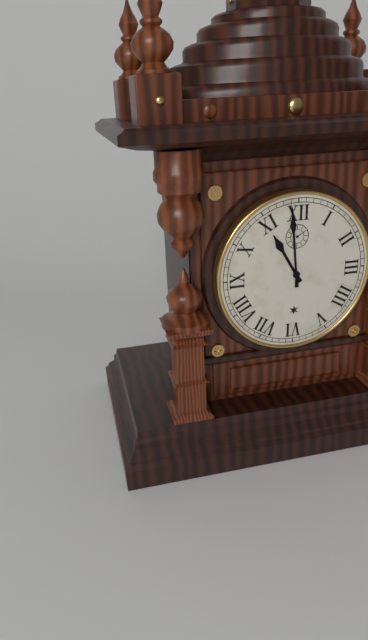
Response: **10:59**
